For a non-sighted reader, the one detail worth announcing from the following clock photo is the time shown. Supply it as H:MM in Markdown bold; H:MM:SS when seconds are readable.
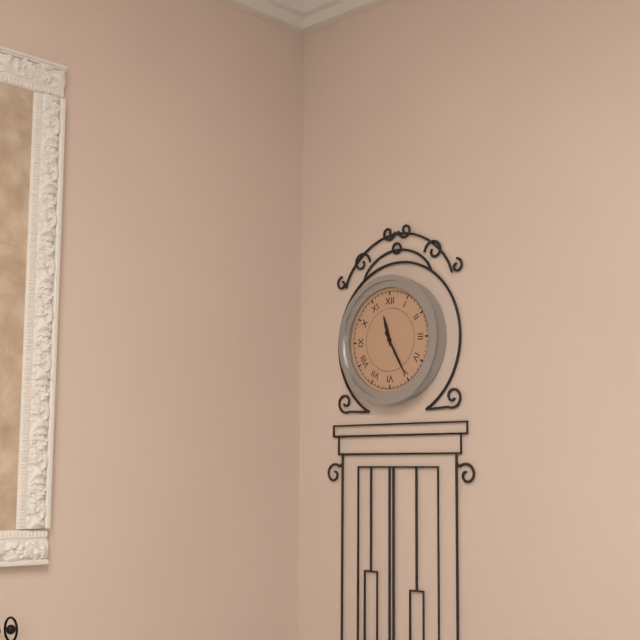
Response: **11:25**
